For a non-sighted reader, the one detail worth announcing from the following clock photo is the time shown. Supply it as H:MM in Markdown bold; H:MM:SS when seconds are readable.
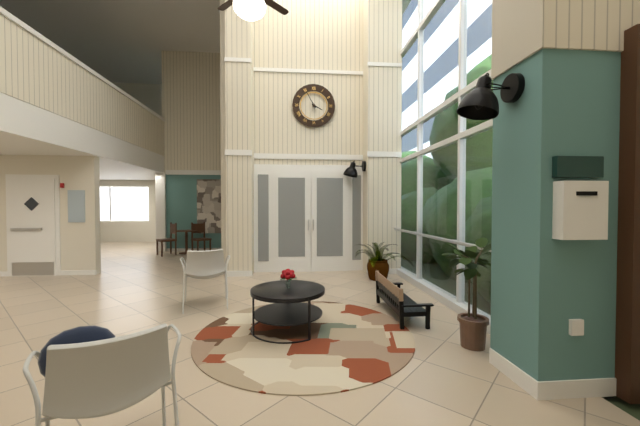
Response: **3:55**
